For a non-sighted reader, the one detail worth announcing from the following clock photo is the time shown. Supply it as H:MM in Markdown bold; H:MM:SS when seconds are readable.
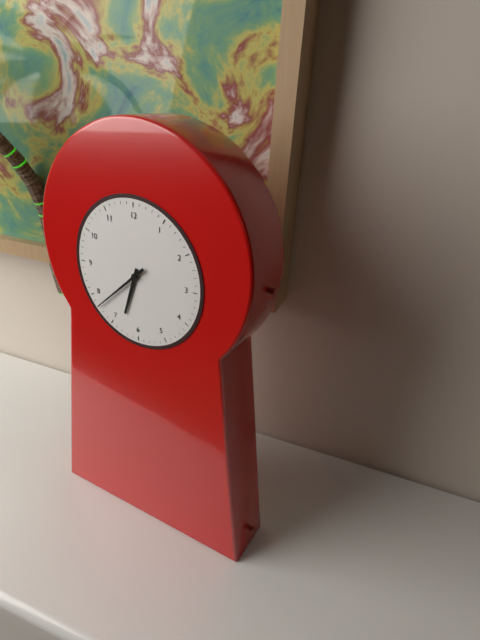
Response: **6:38**
